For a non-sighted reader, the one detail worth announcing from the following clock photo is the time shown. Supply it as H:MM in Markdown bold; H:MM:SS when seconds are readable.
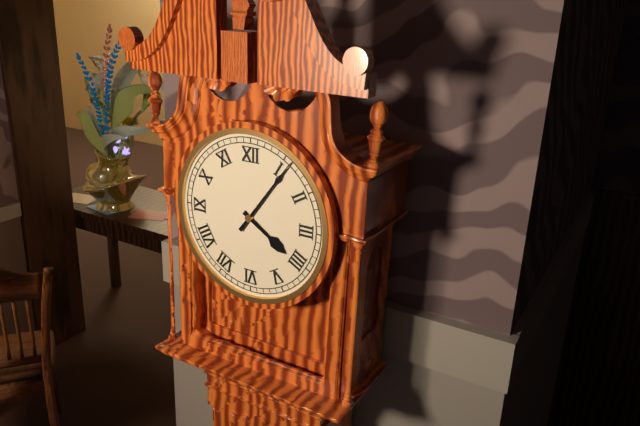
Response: **4:06**
